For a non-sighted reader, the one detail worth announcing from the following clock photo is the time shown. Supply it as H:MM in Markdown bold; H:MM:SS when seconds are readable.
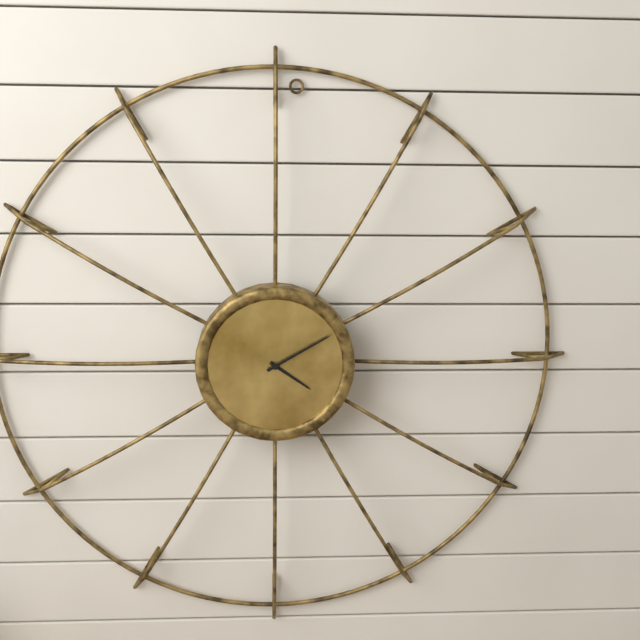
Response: **4:10**
